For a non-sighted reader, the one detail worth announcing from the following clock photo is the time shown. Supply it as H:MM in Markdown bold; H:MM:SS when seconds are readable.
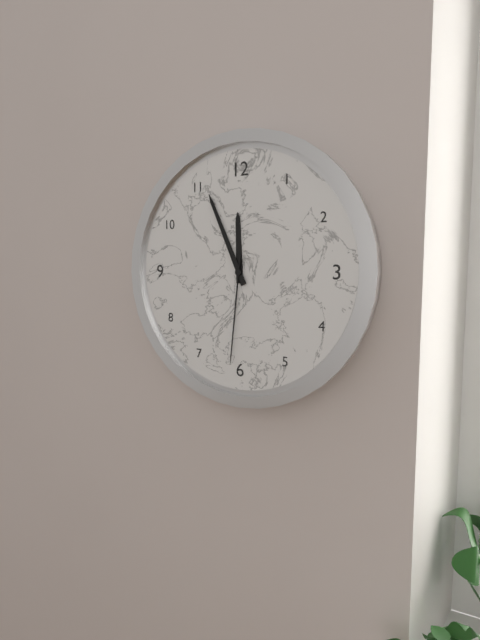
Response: **11:56:31**
